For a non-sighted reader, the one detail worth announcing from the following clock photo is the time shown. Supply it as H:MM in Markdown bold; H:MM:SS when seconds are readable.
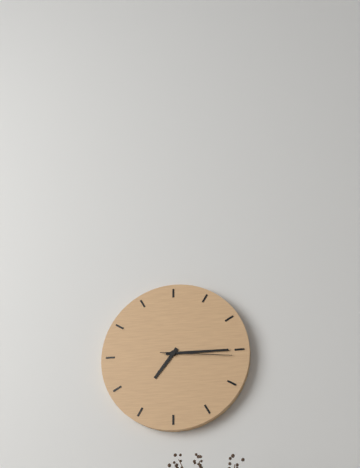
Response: **7:15:16**
